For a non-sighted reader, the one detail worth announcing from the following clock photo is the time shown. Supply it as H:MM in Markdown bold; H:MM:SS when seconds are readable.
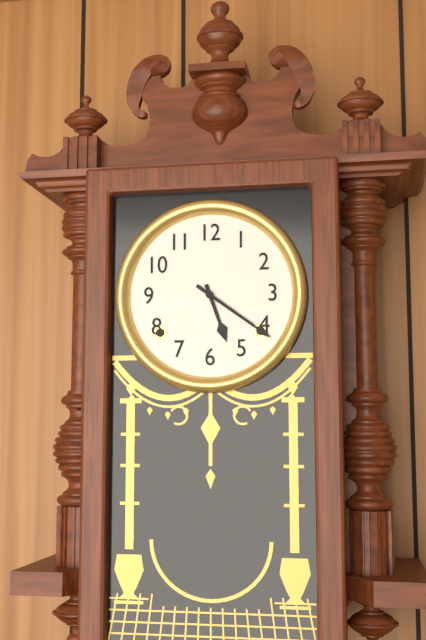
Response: **5:21**
